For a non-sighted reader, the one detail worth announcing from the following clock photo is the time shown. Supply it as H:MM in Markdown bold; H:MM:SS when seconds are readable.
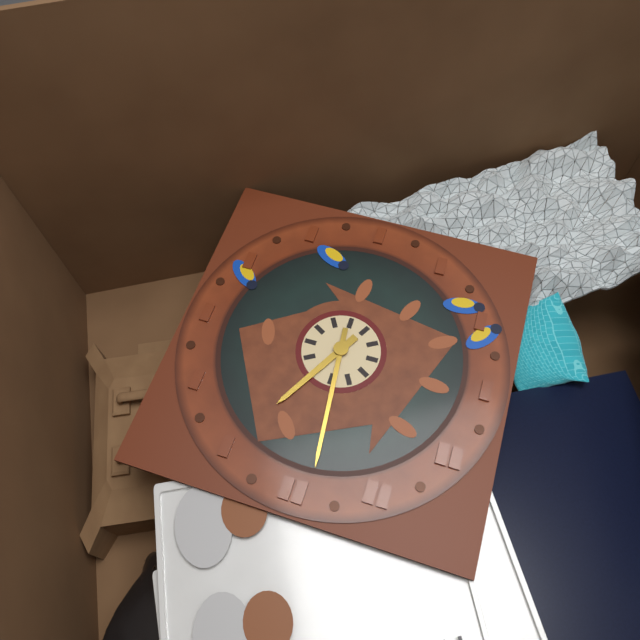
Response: **12:59**
